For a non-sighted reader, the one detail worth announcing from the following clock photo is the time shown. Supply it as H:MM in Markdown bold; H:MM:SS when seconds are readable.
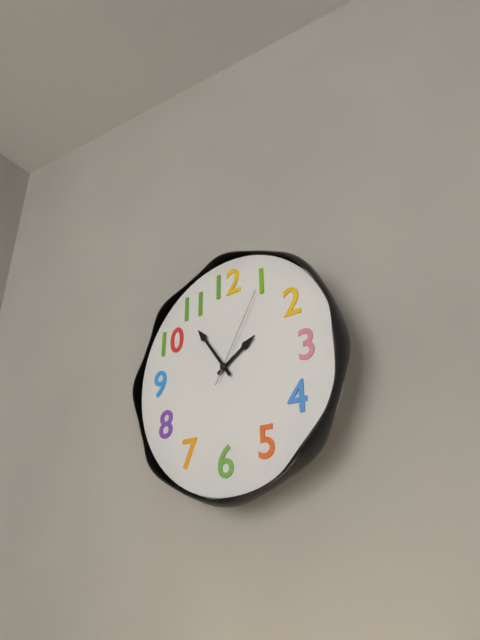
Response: **1:54:05**
